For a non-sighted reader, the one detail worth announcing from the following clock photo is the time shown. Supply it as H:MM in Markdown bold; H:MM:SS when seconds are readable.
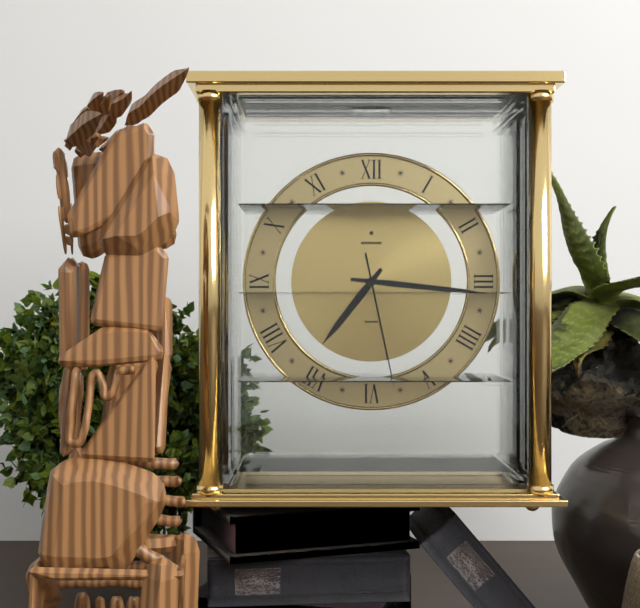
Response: **7:16:28**
